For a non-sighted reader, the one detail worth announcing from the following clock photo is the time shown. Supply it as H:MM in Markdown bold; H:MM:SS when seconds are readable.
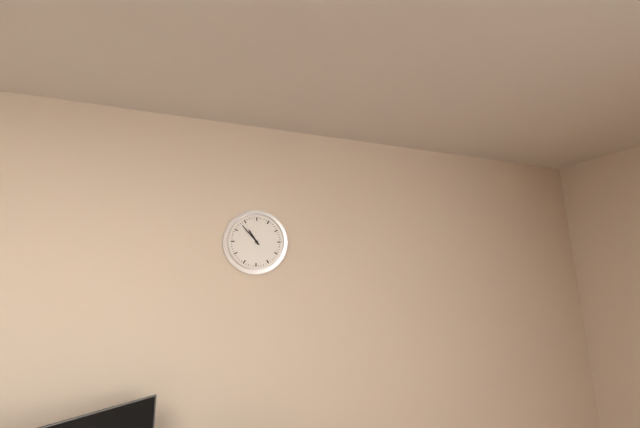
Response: **10:53**
